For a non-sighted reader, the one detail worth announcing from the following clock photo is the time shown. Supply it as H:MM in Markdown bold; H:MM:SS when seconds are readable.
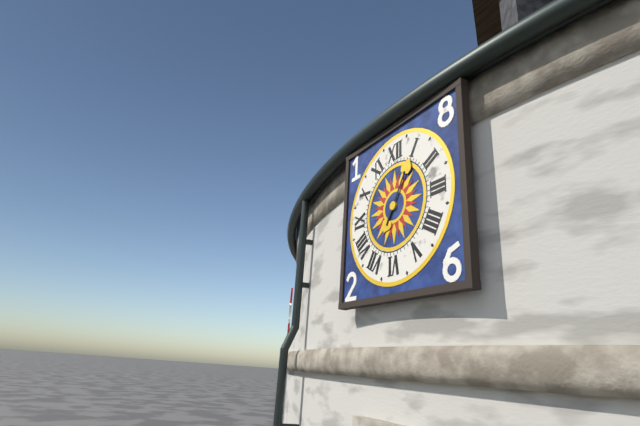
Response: **7:05**
